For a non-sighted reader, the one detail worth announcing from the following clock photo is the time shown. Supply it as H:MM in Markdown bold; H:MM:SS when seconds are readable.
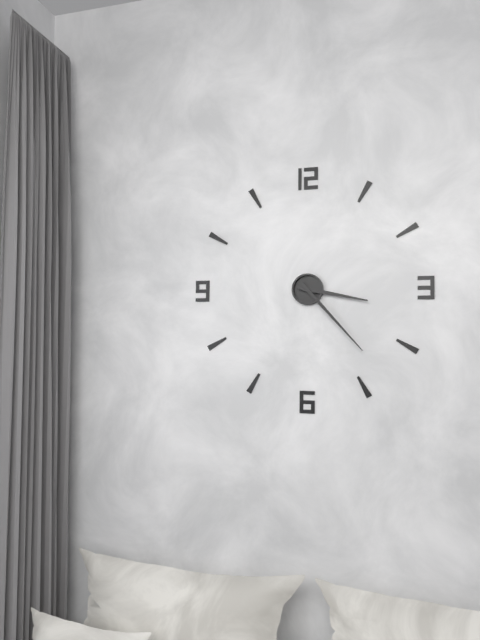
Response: **3:23**
